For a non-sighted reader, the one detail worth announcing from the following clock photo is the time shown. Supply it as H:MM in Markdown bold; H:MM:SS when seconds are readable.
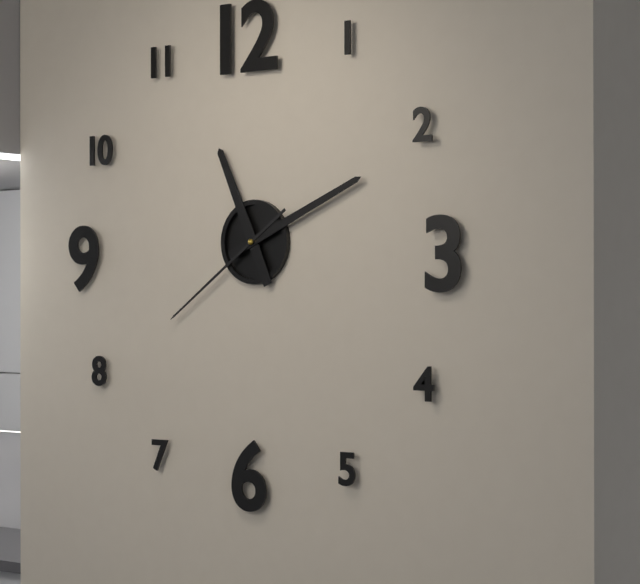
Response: **11:11:39**
